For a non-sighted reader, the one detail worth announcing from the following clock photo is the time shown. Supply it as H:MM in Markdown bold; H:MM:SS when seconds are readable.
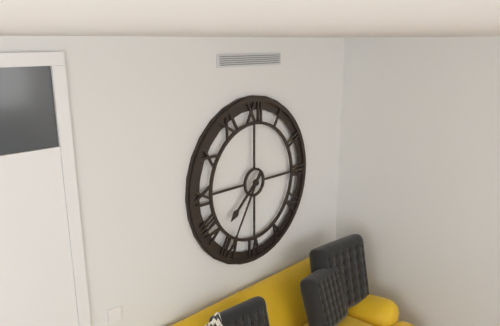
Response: **7:35**
